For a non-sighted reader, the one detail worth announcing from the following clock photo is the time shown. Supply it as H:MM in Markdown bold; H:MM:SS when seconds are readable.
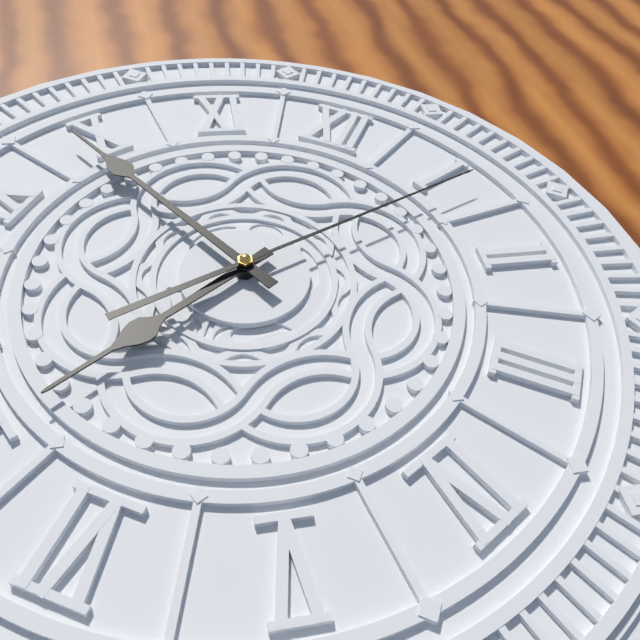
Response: **6:49:06**
